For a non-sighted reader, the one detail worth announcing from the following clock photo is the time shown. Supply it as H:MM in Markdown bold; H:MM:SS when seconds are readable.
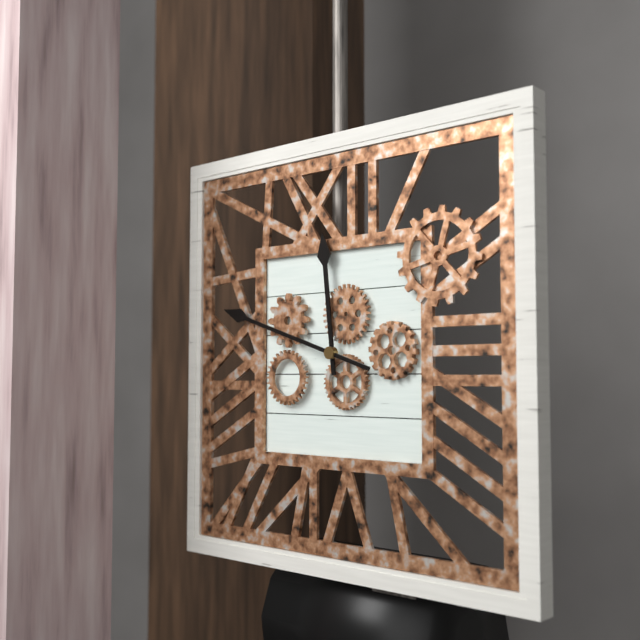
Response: **11:48**
